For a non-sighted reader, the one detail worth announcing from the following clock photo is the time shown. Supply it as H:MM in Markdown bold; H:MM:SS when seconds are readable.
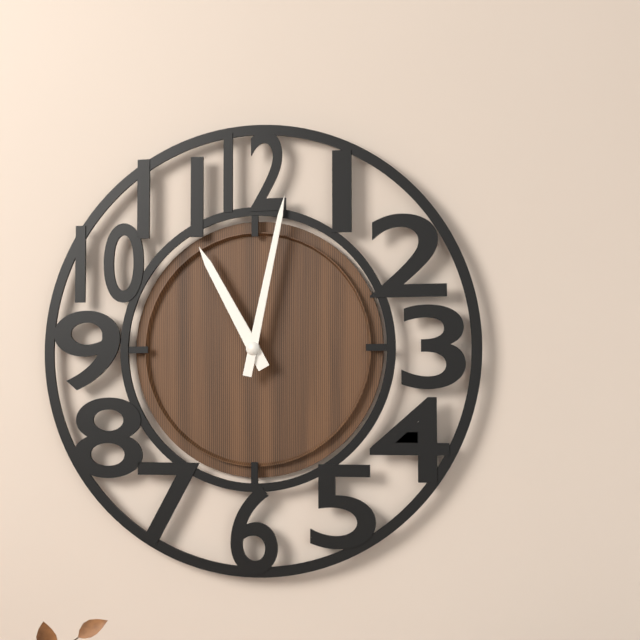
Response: **11:02**
